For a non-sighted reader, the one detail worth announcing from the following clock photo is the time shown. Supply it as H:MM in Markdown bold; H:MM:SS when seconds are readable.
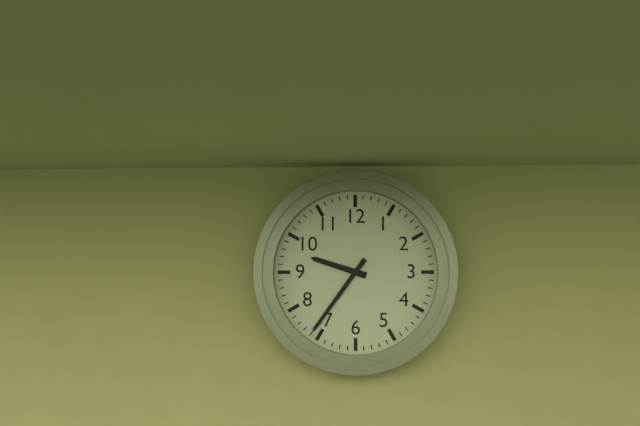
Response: **9:36**
